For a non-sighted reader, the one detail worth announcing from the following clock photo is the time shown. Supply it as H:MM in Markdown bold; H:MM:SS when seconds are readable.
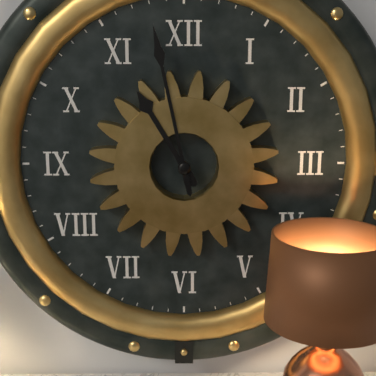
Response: **10:58**
